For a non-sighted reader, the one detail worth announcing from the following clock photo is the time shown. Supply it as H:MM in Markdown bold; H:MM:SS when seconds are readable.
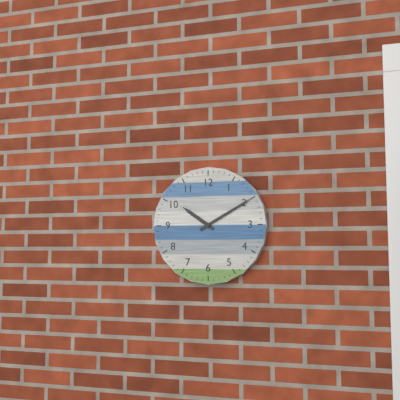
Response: **10:10**
